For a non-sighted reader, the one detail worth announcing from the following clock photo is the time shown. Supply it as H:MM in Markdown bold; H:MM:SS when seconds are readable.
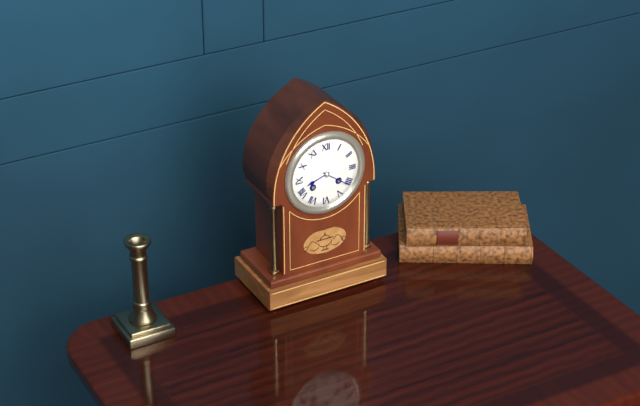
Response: **8:21**
